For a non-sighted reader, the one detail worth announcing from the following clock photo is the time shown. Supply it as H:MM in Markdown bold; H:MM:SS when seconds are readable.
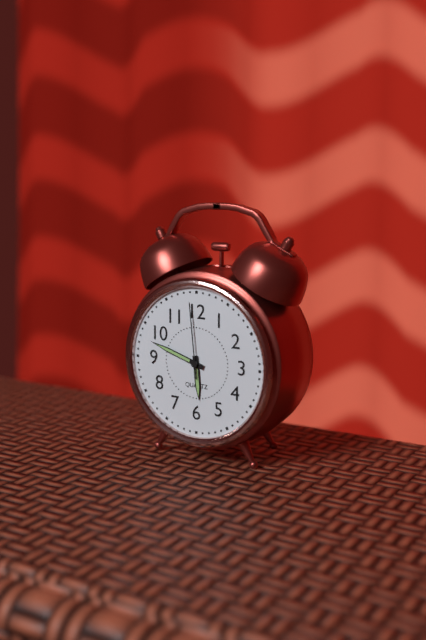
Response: **5:48:59**
